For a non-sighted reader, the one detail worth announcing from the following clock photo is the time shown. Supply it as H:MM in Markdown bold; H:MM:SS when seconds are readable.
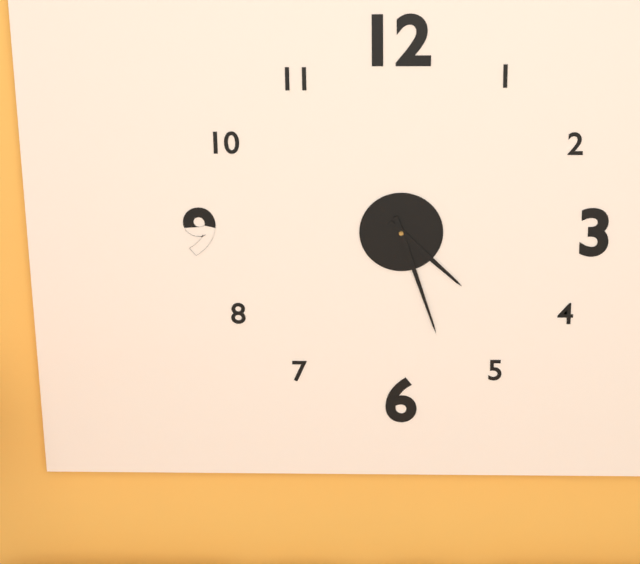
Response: **4:27**
